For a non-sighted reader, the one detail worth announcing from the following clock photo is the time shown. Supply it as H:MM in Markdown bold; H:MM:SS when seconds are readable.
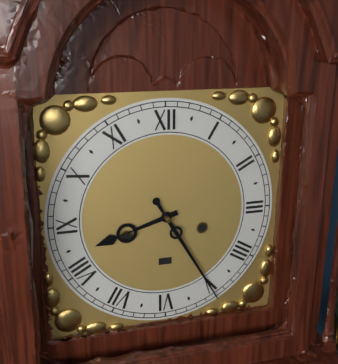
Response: **8:25**
